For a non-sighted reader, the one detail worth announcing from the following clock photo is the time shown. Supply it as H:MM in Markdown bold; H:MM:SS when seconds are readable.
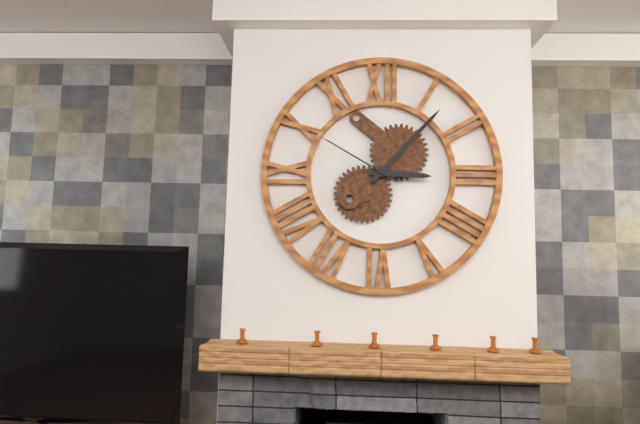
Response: **3:07:50**
